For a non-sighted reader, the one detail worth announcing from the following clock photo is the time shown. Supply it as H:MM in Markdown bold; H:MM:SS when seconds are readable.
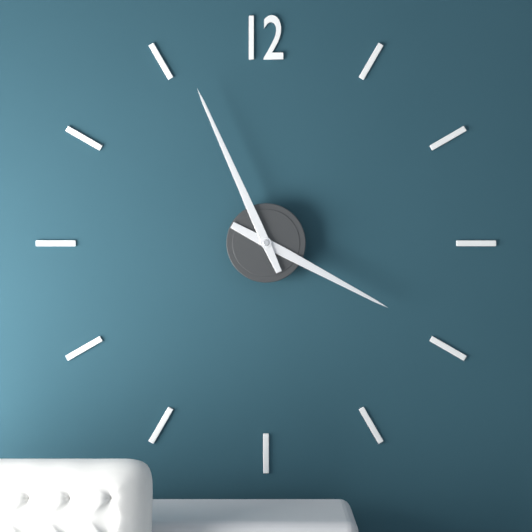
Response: **3:56**
